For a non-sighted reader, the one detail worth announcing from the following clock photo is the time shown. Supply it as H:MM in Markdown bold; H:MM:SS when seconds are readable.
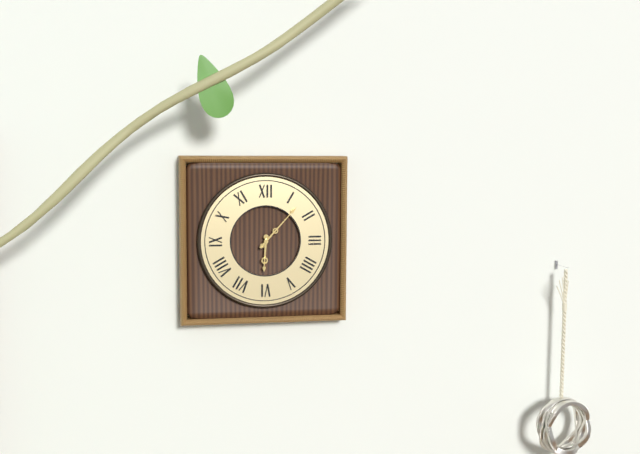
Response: **6:07**
